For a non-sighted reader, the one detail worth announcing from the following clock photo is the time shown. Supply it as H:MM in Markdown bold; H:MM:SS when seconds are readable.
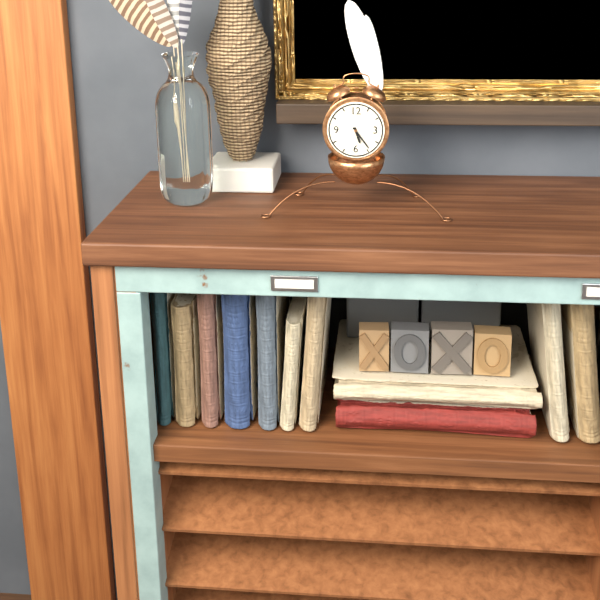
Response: **5:24**
